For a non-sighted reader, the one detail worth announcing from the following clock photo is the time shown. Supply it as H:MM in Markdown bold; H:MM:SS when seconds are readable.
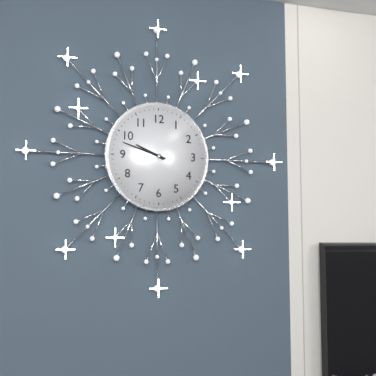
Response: **9:48**
